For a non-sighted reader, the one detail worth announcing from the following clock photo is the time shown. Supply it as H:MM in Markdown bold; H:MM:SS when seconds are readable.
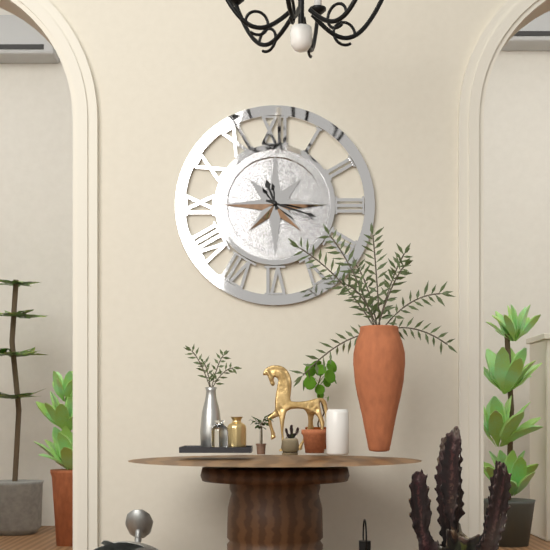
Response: **11:18**
